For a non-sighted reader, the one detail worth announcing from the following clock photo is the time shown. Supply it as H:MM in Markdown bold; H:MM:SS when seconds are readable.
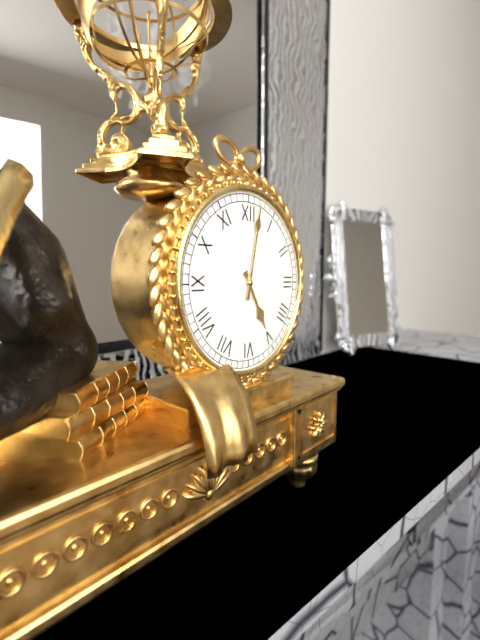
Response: **5:02**
